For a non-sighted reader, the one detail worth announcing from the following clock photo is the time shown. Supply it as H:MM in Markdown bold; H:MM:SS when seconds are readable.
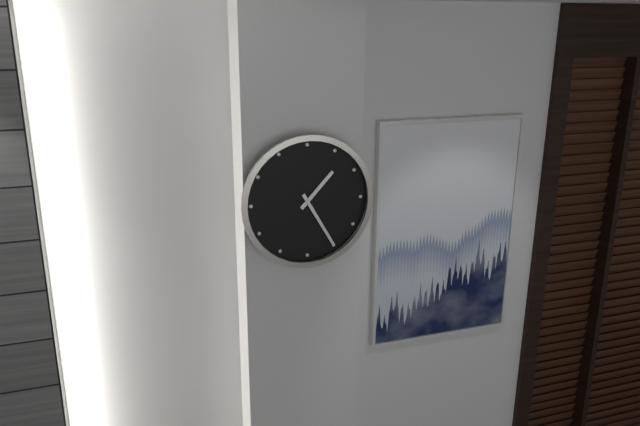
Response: **1:25**
